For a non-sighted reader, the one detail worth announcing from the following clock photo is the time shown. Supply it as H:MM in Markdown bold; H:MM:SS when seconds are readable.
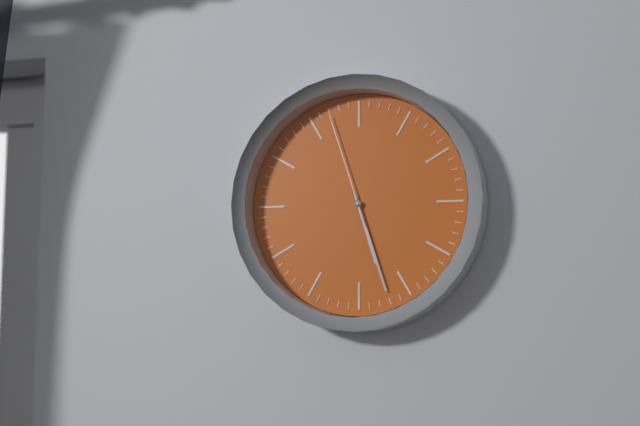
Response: **5:27:57**
